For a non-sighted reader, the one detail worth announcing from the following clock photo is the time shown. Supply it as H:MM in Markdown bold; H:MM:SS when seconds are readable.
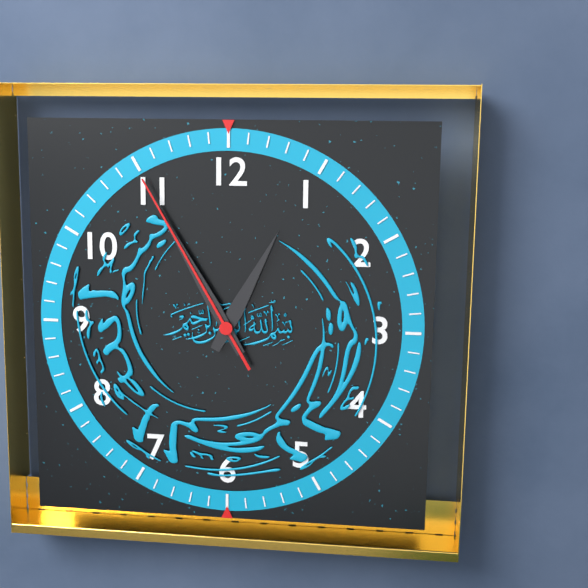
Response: **12:55:55**
